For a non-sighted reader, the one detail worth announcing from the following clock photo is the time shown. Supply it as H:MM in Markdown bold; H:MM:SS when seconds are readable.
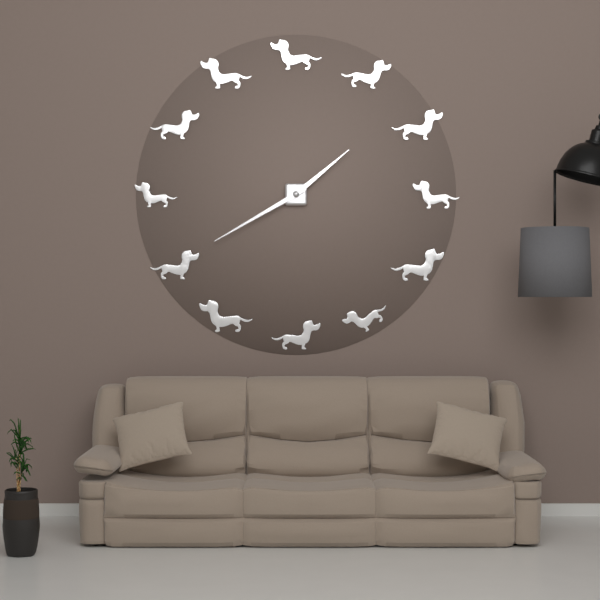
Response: **1:40**
